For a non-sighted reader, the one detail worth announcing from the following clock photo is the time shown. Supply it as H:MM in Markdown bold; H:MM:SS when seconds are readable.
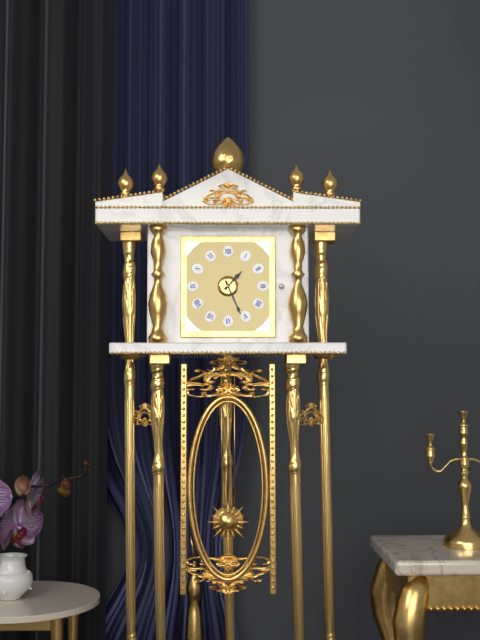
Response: **1:26**
